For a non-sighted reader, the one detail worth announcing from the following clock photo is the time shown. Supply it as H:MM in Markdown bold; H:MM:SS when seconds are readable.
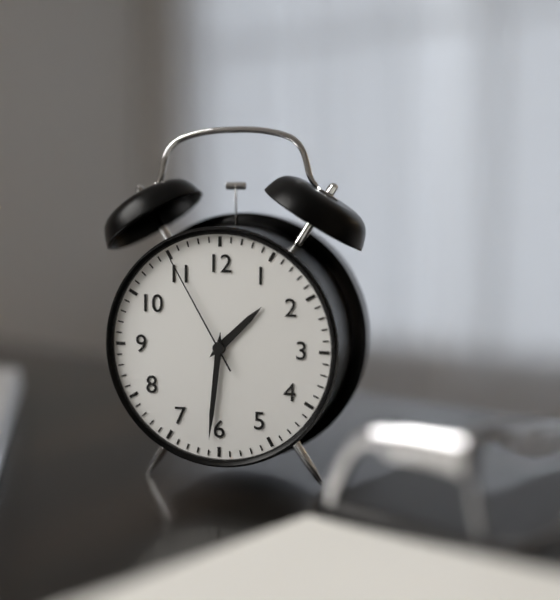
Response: **1:31:55**
